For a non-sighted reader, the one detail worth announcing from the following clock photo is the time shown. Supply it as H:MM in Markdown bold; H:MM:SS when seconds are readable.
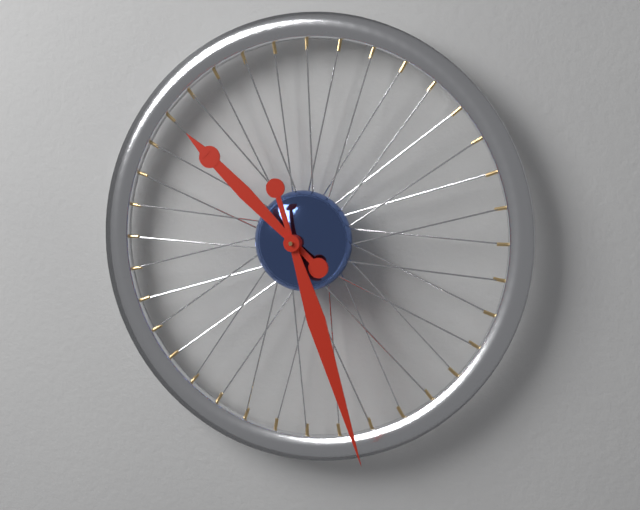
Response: **10:27**
